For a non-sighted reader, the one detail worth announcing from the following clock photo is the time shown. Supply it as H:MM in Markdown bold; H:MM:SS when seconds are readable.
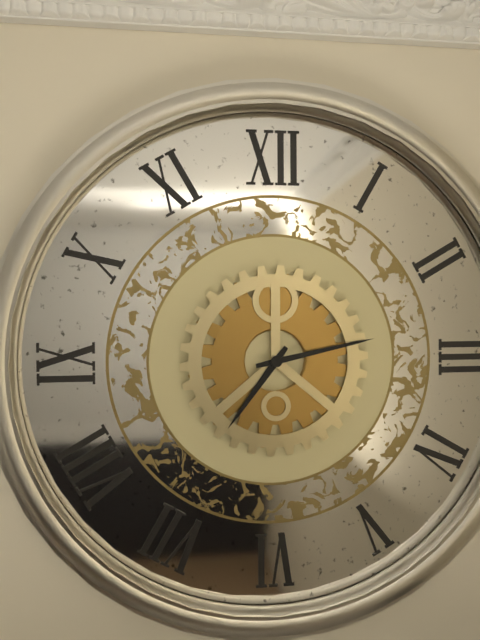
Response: **7:13**
